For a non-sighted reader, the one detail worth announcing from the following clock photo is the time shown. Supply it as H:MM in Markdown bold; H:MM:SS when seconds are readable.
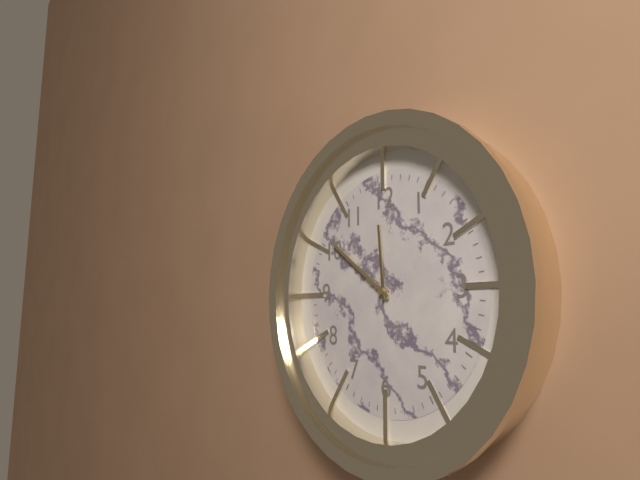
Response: **11:51**
